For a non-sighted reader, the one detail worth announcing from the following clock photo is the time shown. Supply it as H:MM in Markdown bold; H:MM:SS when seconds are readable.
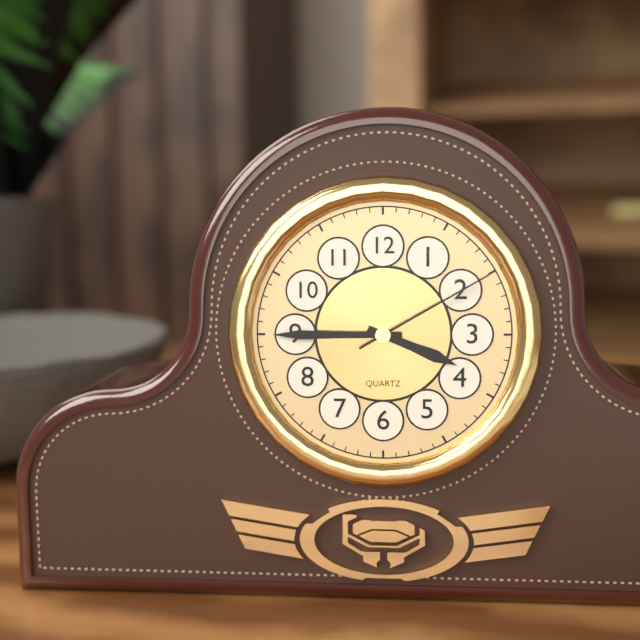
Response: **3:45:10**
